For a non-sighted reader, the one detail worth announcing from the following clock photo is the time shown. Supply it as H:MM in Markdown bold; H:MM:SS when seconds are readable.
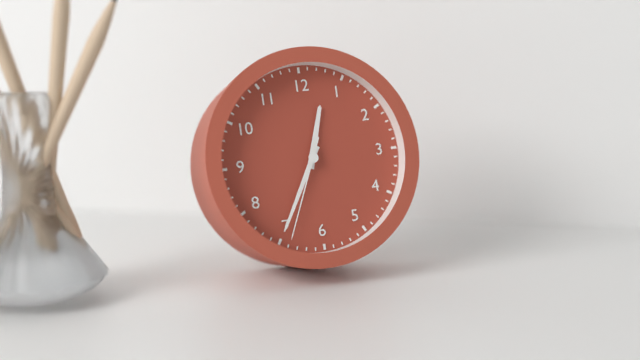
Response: **12:35:34**
